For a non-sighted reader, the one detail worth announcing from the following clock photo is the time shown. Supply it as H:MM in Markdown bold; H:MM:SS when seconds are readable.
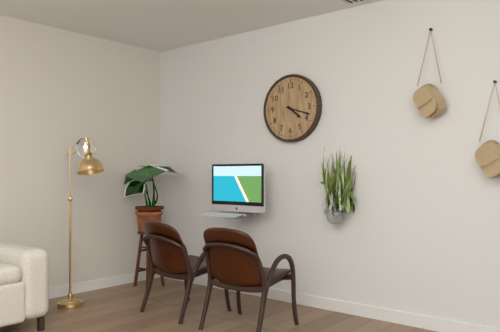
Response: **4:18**
